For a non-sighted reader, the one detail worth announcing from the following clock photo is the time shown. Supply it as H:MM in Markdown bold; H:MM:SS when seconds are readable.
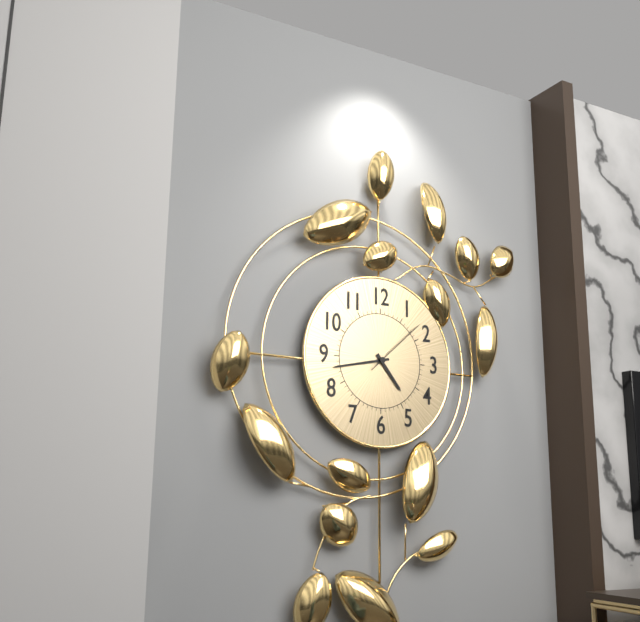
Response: **4:43:08**
